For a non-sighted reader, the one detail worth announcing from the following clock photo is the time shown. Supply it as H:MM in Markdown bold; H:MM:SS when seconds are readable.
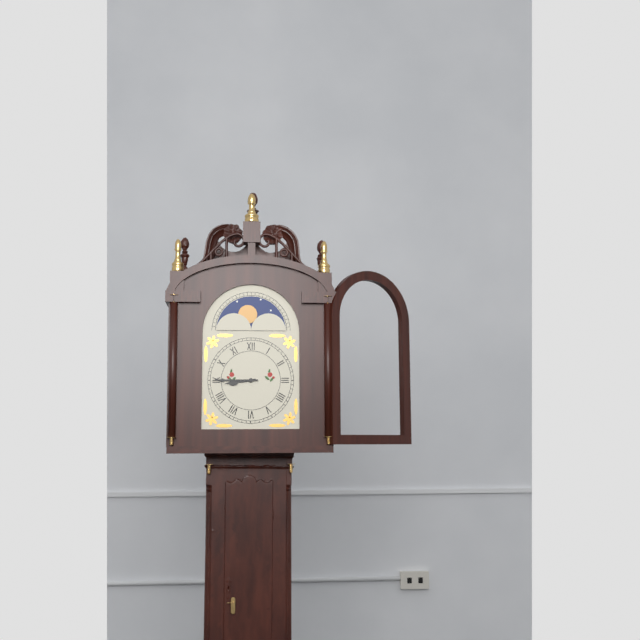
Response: **8:45**
